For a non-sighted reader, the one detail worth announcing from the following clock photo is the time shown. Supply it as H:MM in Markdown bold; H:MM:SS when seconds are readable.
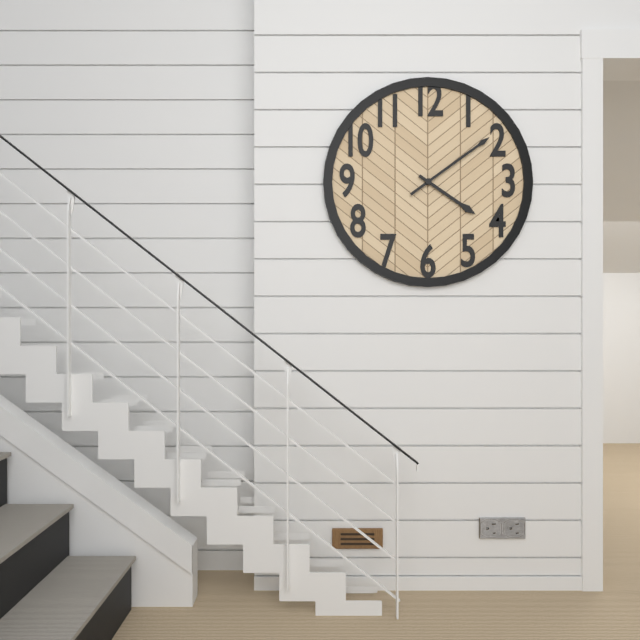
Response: **4:09**
